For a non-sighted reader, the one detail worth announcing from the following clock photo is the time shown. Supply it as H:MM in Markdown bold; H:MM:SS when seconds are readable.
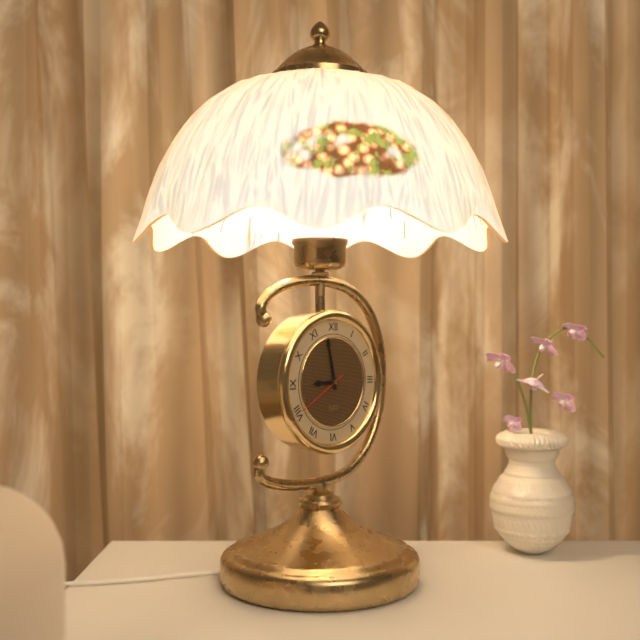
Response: **8:58:40**
